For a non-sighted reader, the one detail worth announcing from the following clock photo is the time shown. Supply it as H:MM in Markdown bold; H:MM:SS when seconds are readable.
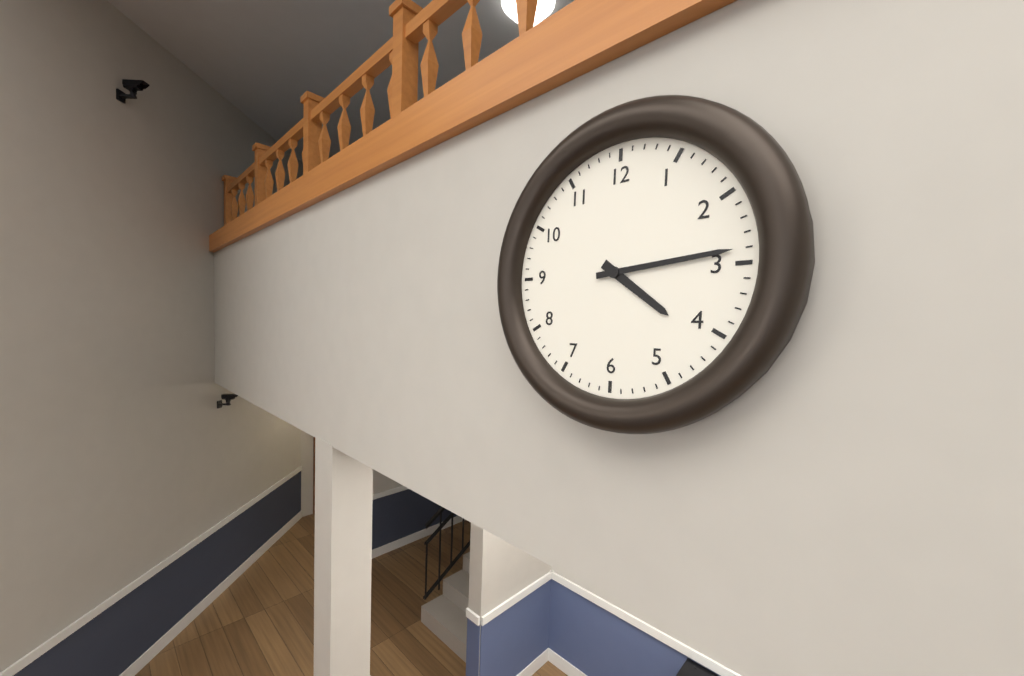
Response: **4:14**
